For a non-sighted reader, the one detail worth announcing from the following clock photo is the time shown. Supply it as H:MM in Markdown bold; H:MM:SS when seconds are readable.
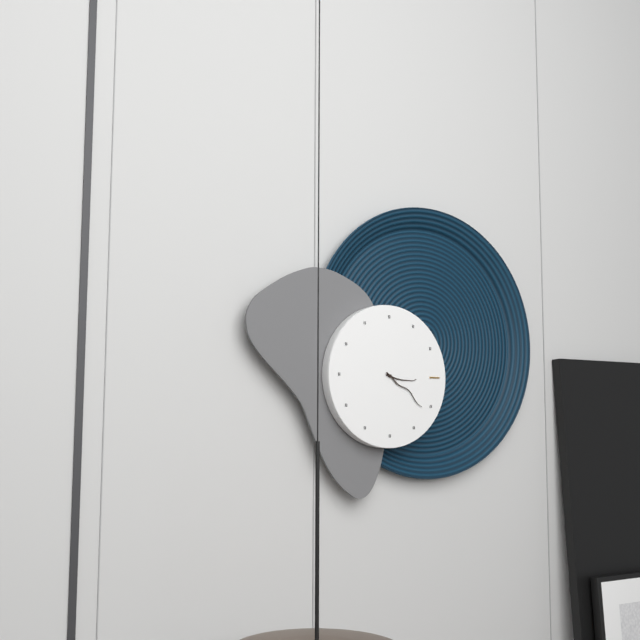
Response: **3:21**
